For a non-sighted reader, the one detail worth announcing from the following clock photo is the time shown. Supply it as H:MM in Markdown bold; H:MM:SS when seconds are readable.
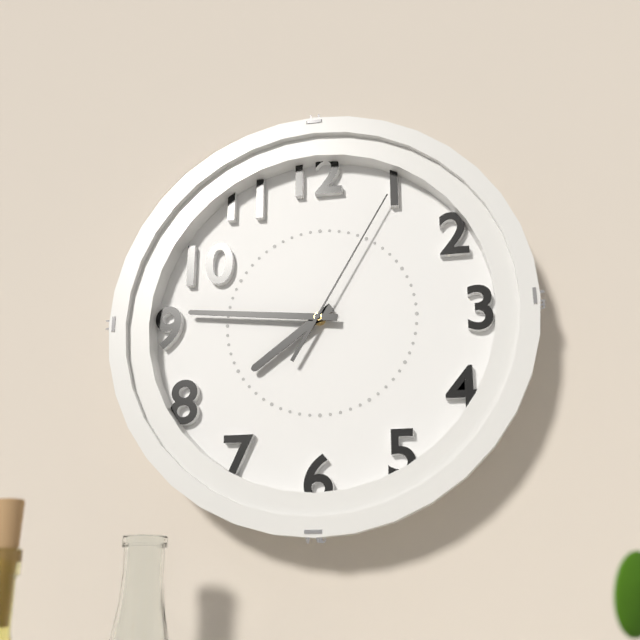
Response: **7:46:05**
